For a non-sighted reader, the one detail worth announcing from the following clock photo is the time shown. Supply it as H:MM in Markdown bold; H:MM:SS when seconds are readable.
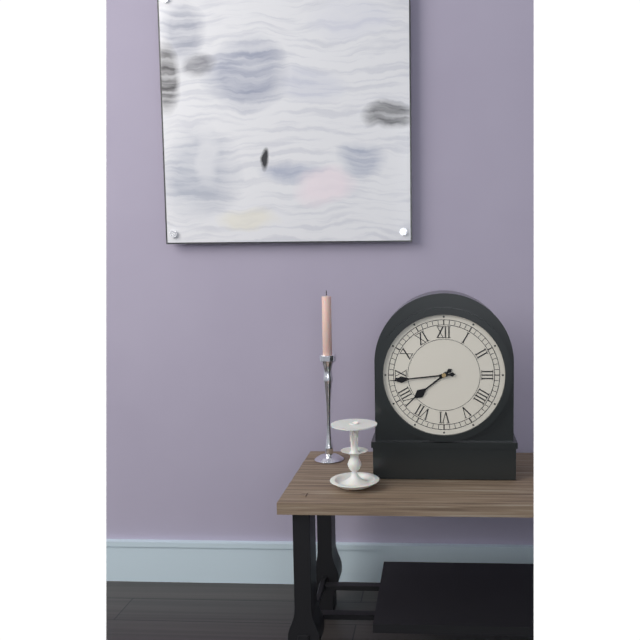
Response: **7:44**
